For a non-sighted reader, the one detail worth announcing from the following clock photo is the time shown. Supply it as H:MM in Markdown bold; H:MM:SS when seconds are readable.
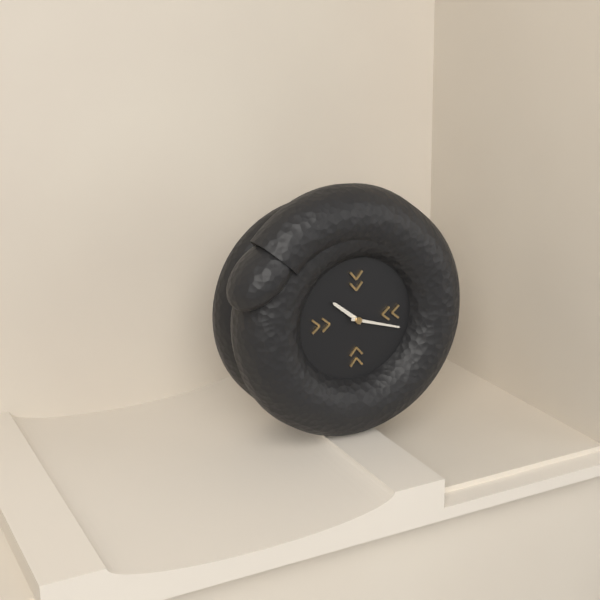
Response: **10:18**
